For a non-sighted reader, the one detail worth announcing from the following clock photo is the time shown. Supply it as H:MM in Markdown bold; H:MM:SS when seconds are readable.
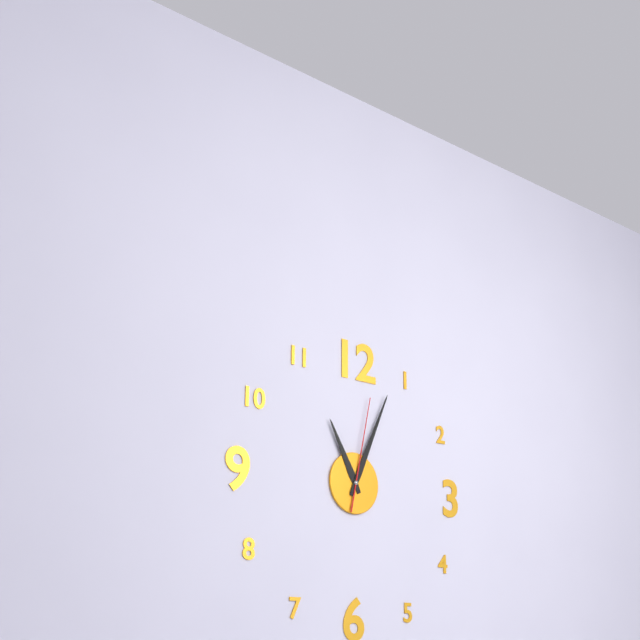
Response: **11:04:02**
